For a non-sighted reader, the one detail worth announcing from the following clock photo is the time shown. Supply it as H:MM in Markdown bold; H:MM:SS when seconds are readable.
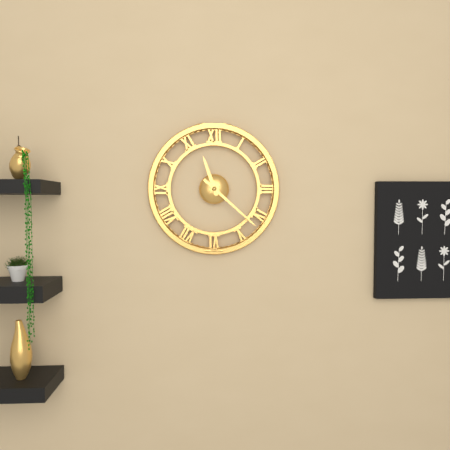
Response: **11:22**
